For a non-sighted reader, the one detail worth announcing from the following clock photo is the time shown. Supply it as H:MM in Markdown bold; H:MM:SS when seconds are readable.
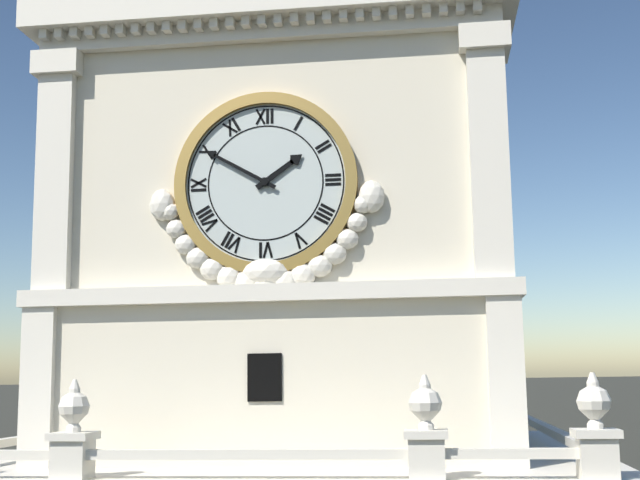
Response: **1:50**
